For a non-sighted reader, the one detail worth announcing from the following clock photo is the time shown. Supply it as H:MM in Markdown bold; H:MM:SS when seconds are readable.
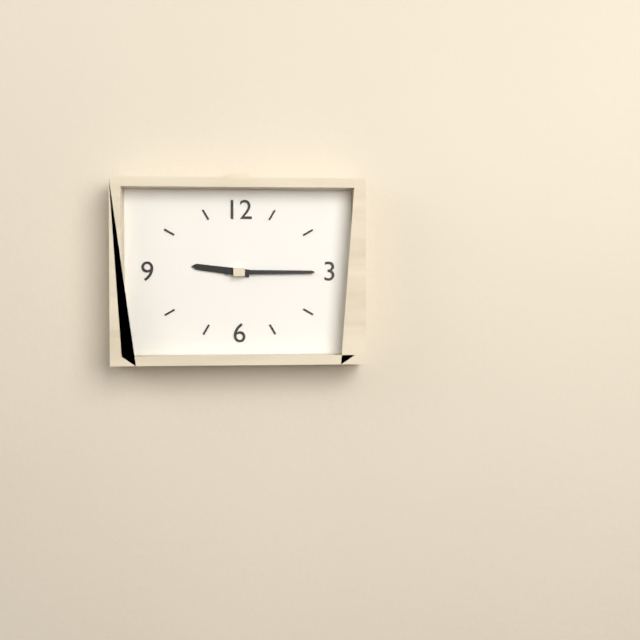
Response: **9:15**
